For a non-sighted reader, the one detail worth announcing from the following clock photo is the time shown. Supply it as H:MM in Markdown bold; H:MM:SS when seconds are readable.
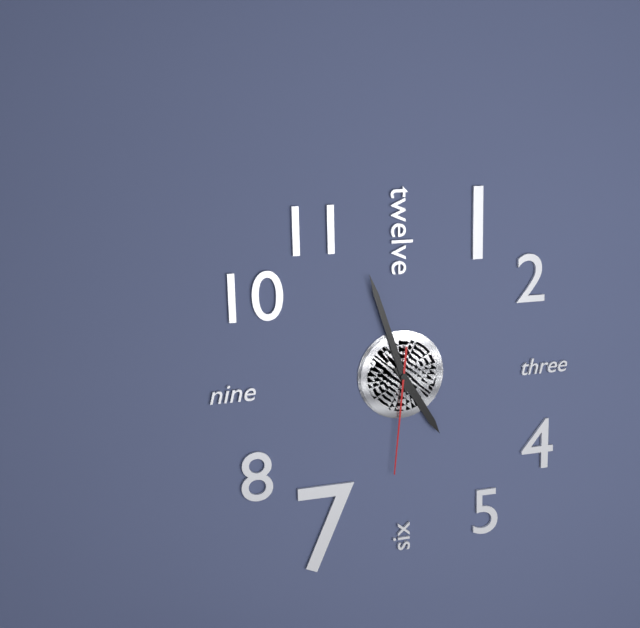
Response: **4:57:31**
